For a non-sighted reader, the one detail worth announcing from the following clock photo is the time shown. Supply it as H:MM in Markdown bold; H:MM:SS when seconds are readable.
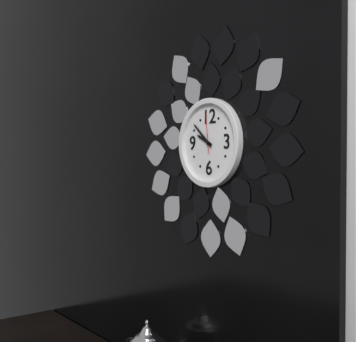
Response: **9:52**
